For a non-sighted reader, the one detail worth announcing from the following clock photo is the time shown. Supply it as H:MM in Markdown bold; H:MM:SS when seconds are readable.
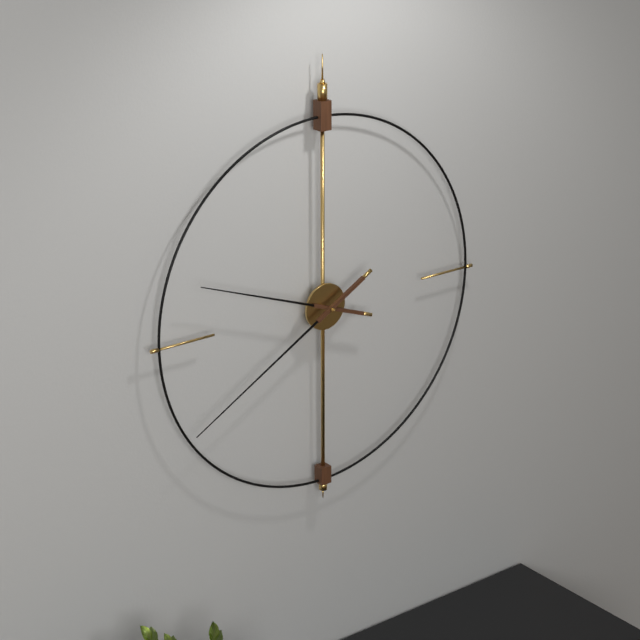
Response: **9:40**
